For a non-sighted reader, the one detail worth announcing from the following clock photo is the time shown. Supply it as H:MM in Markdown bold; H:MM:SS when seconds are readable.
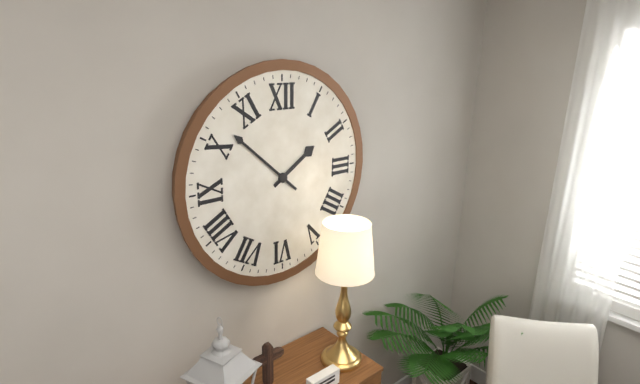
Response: **1:52**
